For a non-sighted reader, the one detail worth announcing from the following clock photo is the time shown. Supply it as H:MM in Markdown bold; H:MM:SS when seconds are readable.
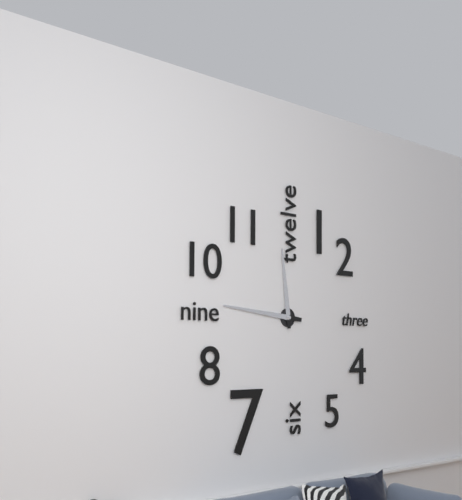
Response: **11:46**
